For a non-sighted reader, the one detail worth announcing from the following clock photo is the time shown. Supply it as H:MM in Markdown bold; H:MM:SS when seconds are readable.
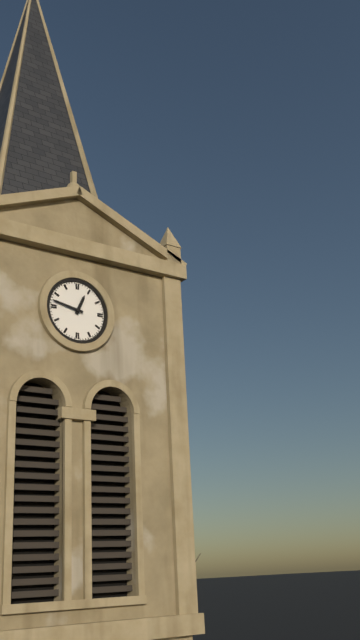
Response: **12:47**
